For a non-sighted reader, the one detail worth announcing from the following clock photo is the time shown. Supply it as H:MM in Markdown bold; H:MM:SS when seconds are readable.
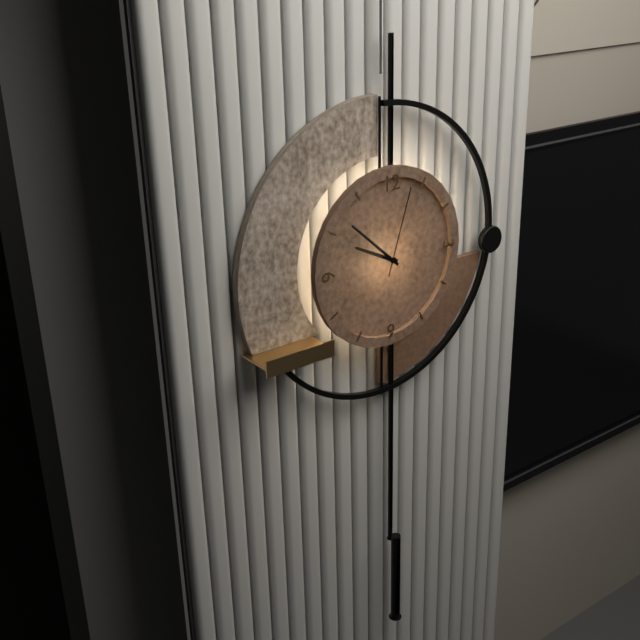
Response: **9:52:03**
